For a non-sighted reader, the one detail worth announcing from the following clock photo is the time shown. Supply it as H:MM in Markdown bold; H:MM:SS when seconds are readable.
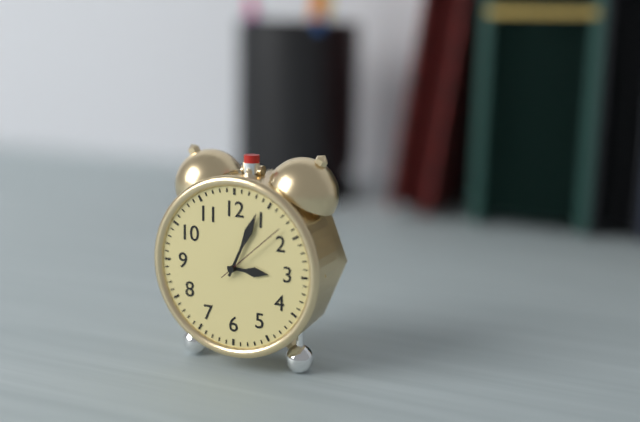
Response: **3:04:08**
